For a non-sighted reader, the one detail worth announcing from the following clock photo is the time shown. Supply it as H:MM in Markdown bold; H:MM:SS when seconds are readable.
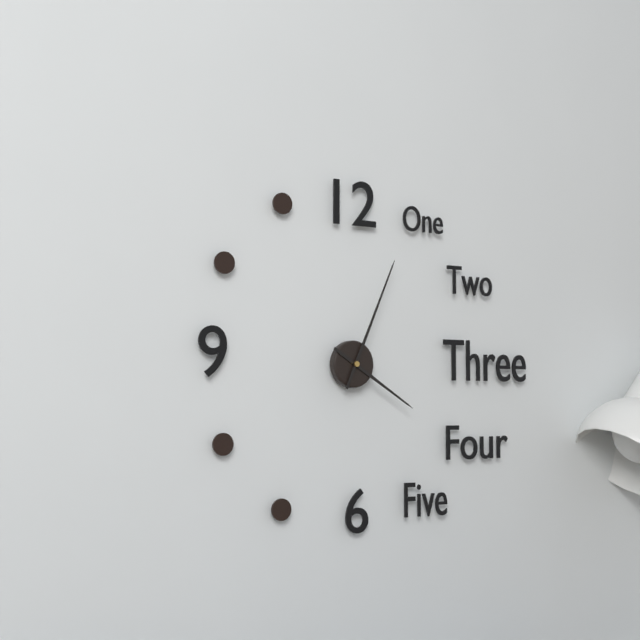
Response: **4:04**
